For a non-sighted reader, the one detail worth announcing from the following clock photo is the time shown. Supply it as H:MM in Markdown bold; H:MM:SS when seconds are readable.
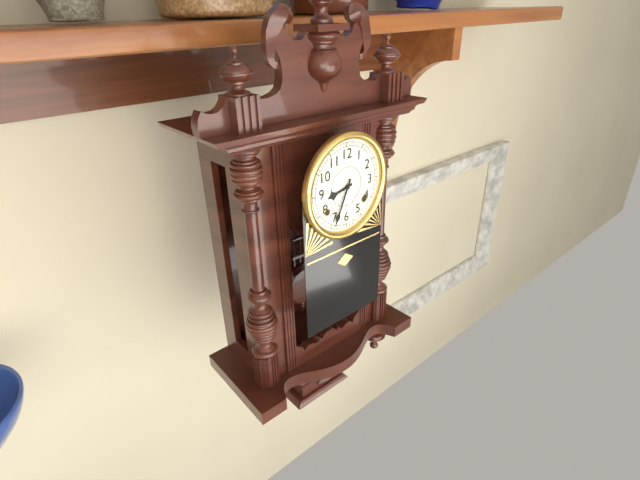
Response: **8:34**
